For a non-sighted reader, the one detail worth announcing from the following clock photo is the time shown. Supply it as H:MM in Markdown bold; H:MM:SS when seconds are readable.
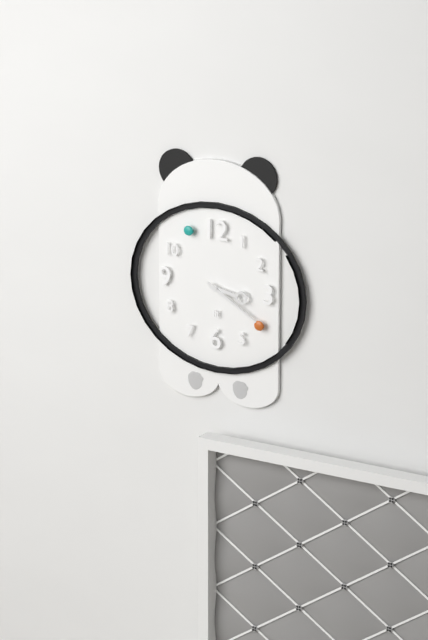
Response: **3:20**
